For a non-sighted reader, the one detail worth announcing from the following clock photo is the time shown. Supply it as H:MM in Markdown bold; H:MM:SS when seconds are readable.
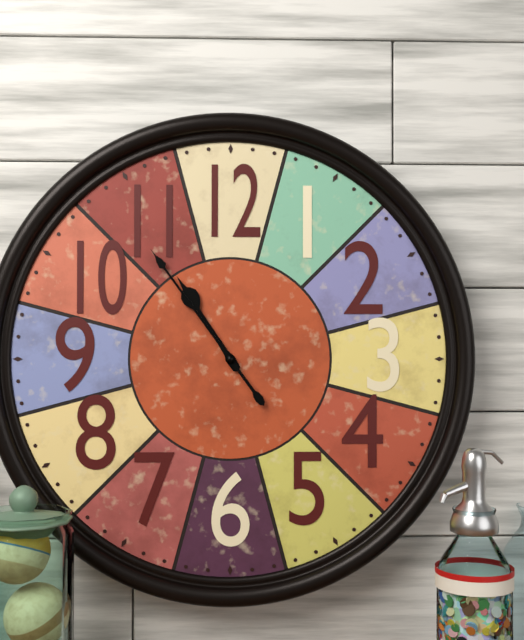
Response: **10:54**
